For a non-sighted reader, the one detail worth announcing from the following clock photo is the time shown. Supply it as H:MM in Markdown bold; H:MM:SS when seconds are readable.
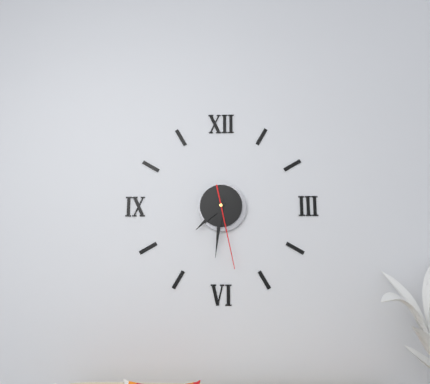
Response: **7:31:28**
